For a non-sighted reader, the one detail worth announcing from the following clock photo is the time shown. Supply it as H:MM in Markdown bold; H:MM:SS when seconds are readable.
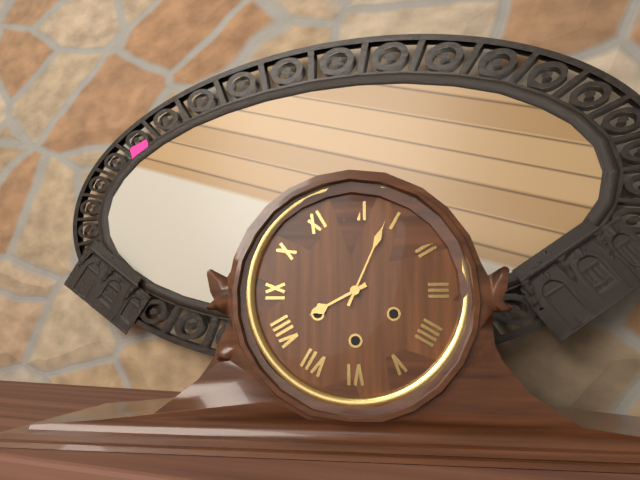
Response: **8:04**
